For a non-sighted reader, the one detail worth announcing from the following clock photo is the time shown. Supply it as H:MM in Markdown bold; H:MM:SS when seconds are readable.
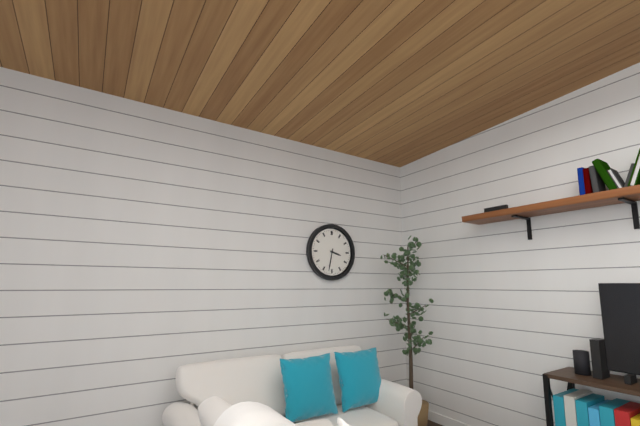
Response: **3:32**
